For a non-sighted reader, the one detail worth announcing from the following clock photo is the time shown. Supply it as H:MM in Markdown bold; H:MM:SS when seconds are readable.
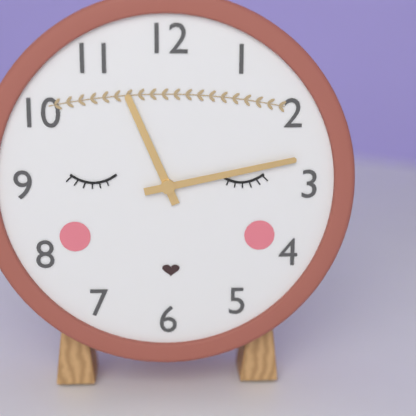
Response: **11:13**
